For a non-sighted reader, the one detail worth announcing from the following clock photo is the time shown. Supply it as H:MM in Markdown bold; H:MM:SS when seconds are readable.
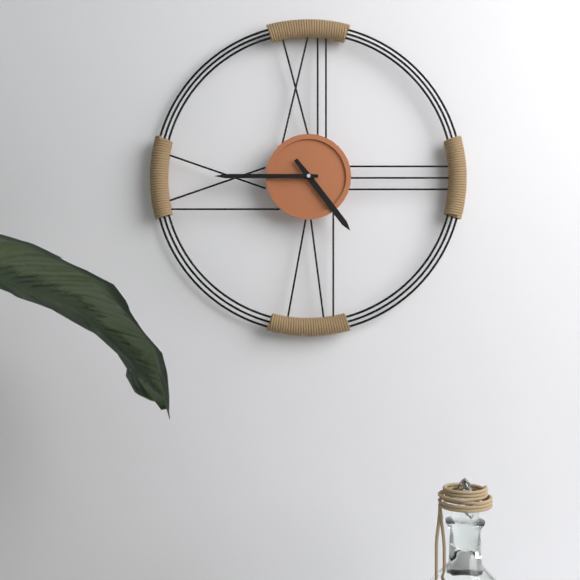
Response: **4:45**
